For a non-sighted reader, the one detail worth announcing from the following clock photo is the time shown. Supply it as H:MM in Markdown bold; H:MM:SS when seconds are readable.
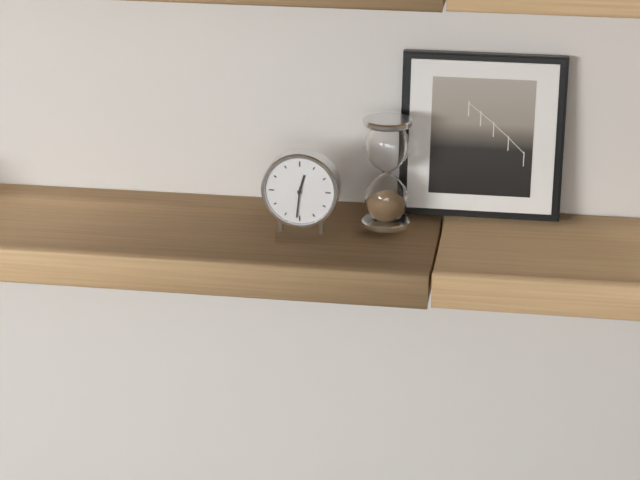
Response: **12:31**
